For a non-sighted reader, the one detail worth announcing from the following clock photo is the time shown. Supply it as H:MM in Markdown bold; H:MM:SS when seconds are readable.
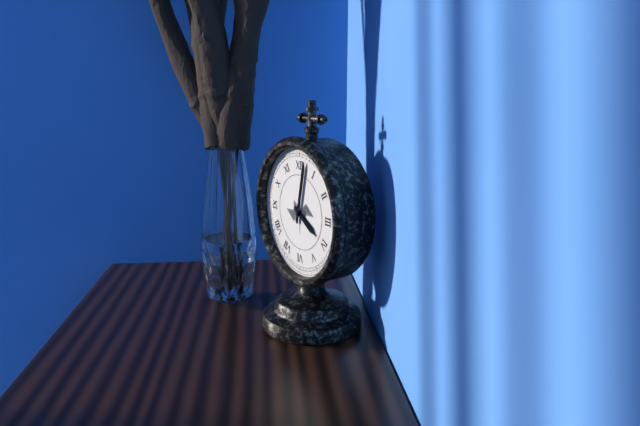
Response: **4:02**
